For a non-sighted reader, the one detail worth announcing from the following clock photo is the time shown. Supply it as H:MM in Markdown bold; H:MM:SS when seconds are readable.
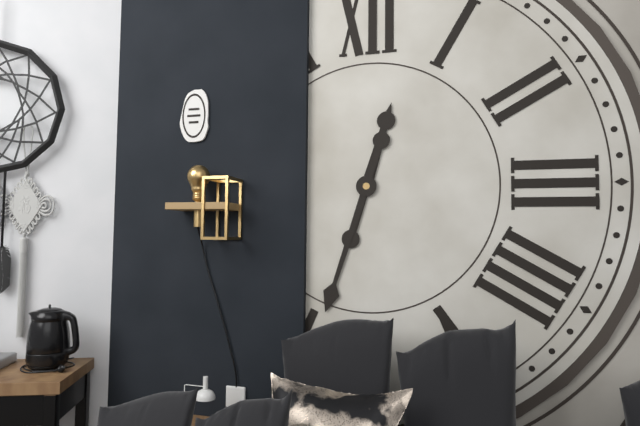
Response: **12:33**
